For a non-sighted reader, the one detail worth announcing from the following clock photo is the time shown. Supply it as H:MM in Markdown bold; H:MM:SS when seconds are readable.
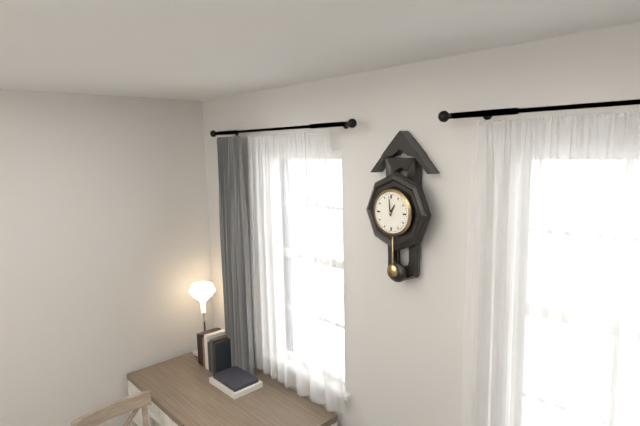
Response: **12:59**
